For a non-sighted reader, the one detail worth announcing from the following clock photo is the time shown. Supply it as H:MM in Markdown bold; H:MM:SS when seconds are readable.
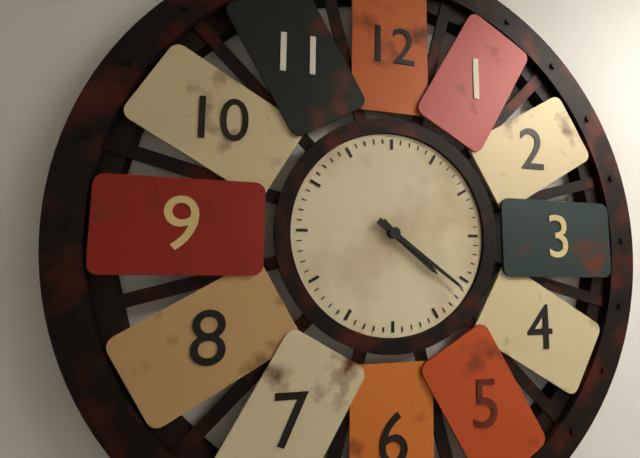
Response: **4:21**
